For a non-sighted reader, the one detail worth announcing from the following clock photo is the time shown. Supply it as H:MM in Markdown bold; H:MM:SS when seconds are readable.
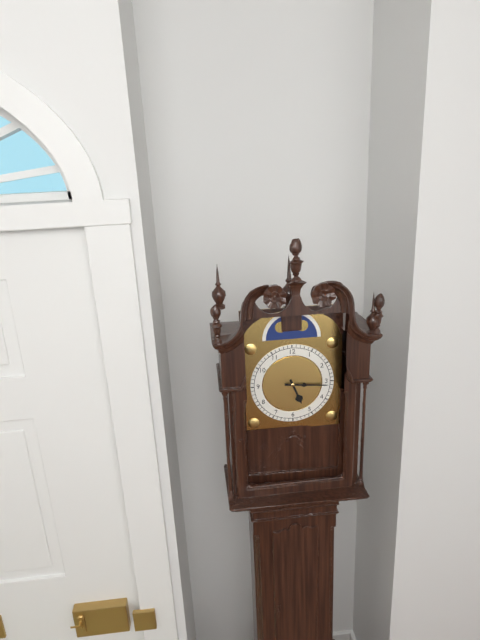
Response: **5:16**
